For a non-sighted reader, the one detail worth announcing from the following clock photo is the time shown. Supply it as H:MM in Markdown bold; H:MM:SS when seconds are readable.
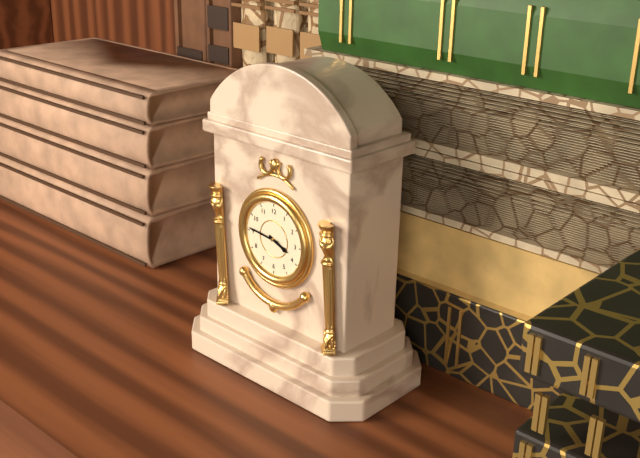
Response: **3:46**
